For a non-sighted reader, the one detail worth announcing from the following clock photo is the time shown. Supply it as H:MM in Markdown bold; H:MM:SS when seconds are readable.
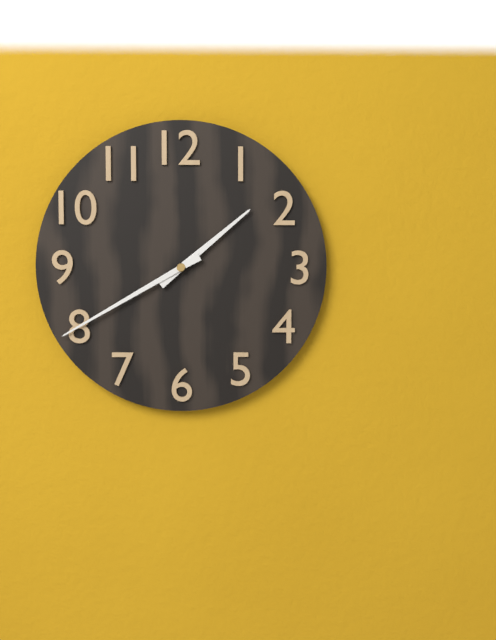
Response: **1:40**
